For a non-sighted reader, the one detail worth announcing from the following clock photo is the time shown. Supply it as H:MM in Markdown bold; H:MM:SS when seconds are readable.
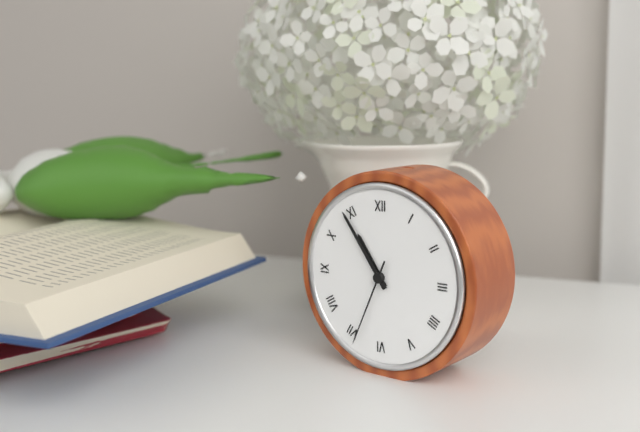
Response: **10:54:34**
